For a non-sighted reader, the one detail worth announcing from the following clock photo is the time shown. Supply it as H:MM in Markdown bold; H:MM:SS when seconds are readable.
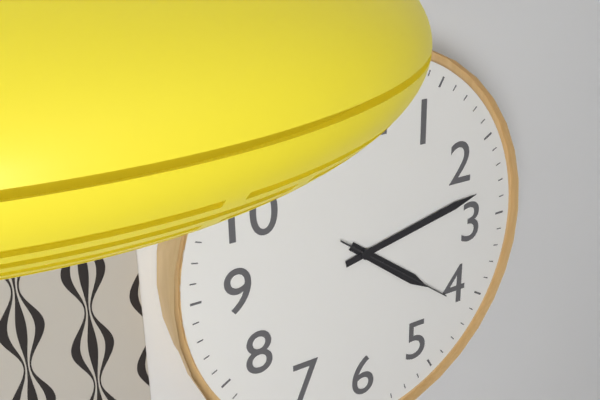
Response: **4:13:21**
